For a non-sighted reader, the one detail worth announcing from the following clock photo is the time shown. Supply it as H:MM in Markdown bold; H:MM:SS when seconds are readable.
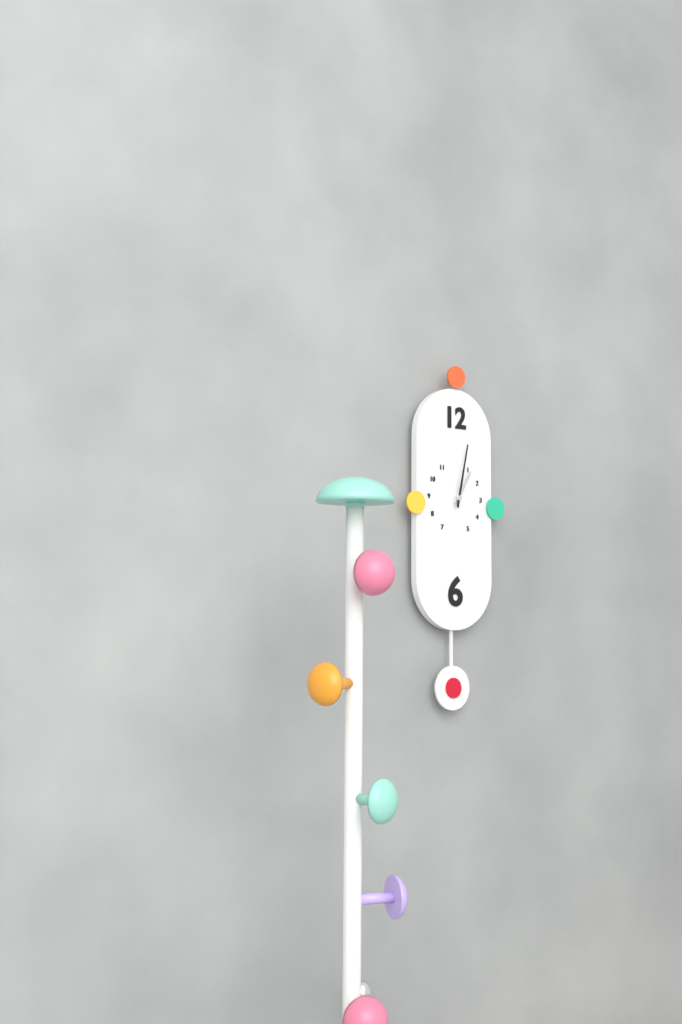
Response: **1:02**
